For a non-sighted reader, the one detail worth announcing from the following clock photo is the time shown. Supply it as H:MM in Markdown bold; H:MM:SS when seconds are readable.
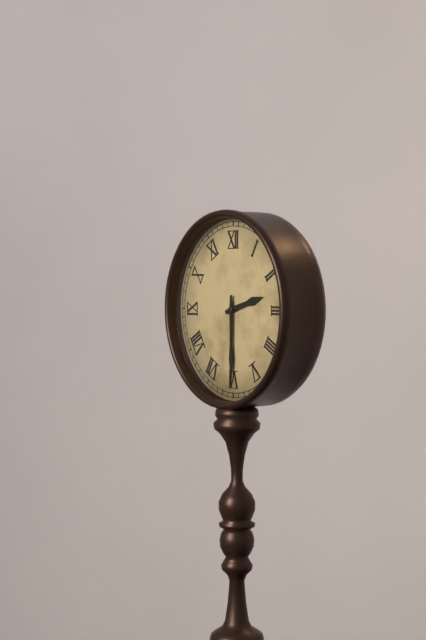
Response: **2:30**
